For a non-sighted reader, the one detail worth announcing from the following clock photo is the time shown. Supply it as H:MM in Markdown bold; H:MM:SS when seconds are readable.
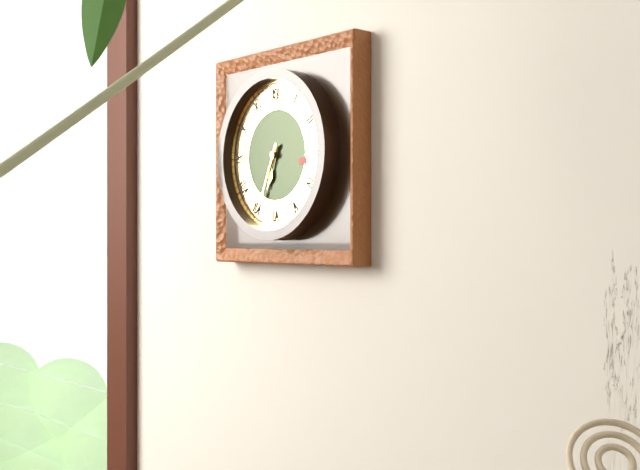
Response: **6:34**
